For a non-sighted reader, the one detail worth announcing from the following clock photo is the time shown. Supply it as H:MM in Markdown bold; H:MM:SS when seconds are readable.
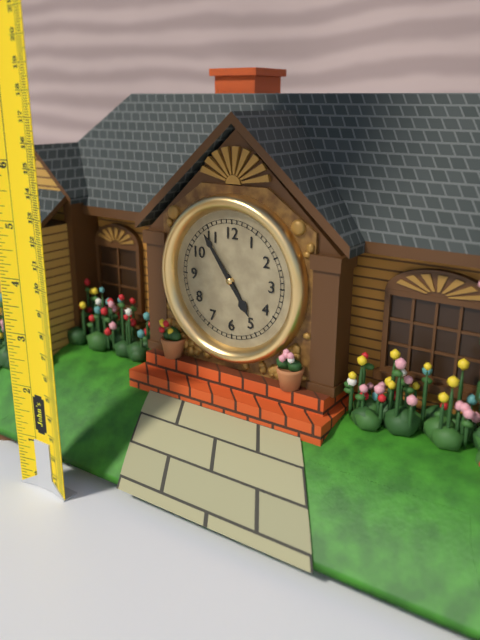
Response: **4:54**
